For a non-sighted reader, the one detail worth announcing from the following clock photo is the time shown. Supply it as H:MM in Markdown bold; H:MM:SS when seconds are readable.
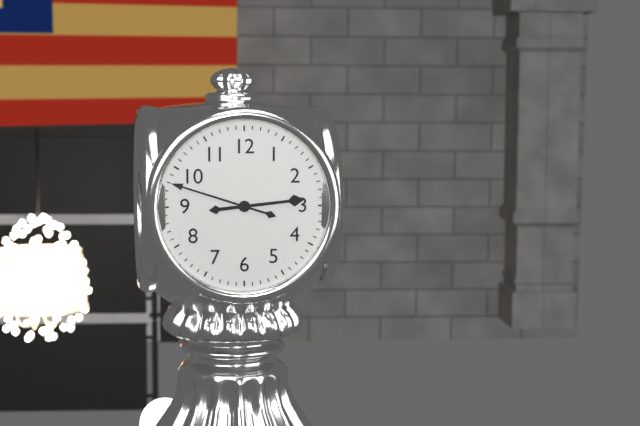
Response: **2:48**
